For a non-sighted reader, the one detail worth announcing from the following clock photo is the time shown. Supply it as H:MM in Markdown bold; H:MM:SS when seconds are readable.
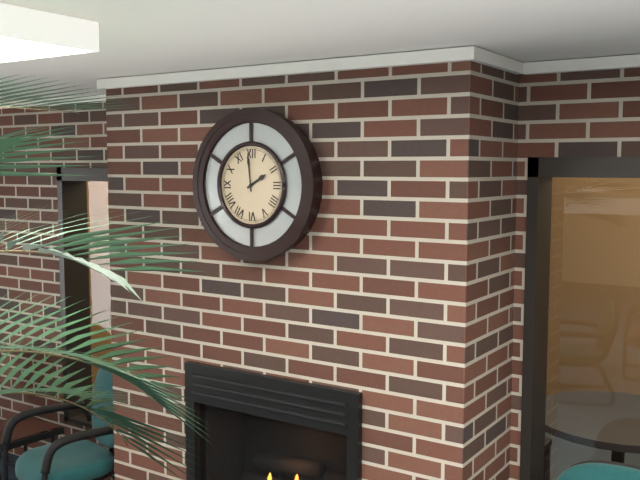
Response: **1:59**
